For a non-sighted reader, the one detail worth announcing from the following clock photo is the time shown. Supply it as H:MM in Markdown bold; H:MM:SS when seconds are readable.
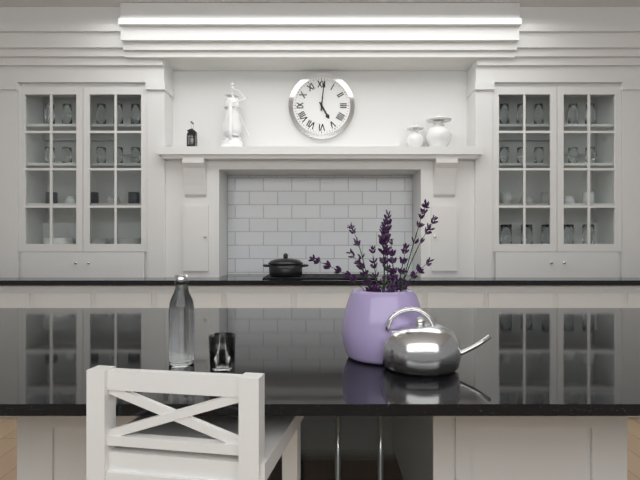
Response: **5:01**
